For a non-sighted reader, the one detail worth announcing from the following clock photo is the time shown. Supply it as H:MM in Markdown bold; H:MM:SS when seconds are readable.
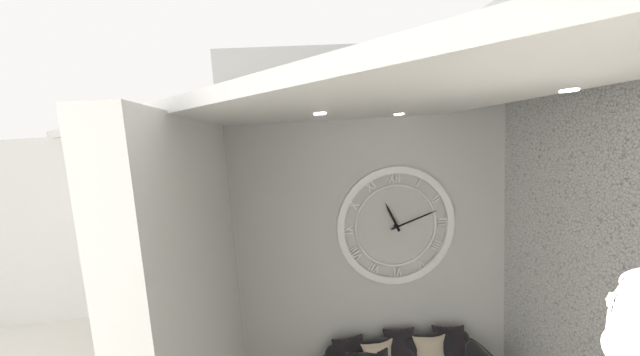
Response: **11:12**
